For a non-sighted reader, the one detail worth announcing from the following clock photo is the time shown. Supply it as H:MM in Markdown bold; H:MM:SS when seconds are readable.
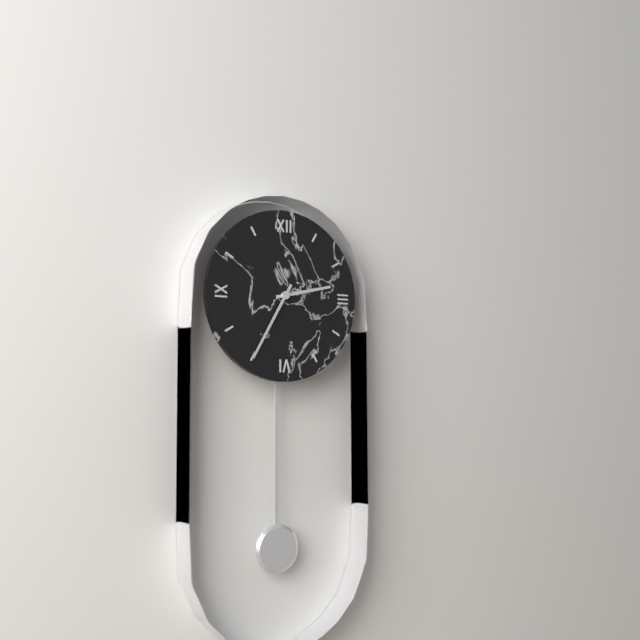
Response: **2:35**
